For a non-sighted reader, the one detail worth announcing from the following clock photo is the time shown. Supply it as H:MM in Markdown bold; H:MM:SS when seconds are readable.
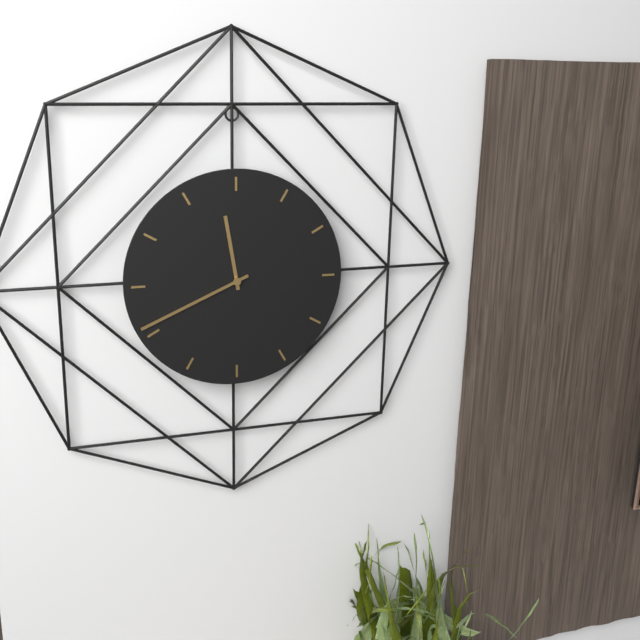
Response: **11:41**
